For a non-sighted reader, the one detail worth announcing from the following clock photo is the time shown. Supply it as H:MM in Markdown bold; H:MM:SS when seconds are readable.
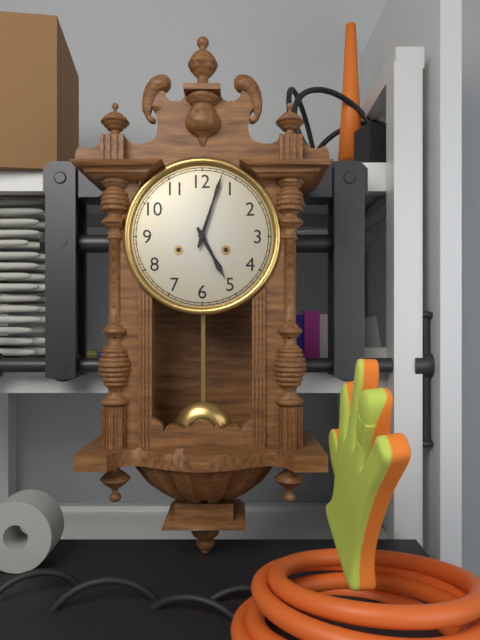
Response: **5:03**
